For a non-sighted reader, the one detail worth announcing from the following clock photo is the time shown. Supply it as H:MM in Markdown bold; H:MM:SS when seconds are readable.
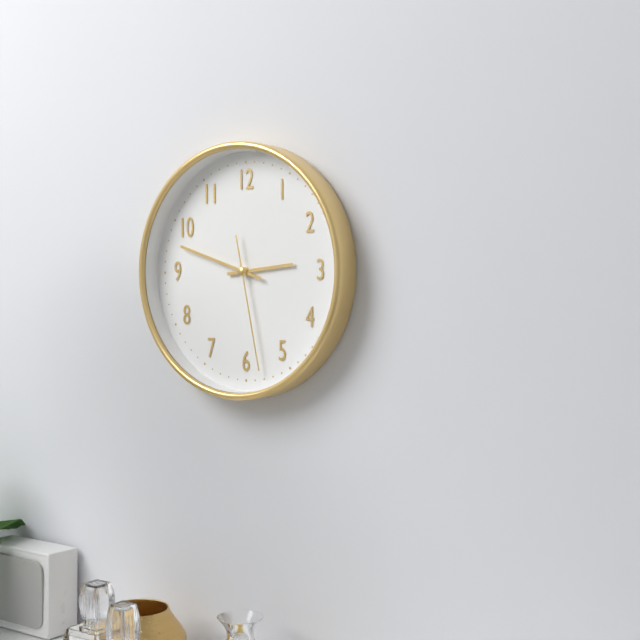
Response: **2:48:28**
